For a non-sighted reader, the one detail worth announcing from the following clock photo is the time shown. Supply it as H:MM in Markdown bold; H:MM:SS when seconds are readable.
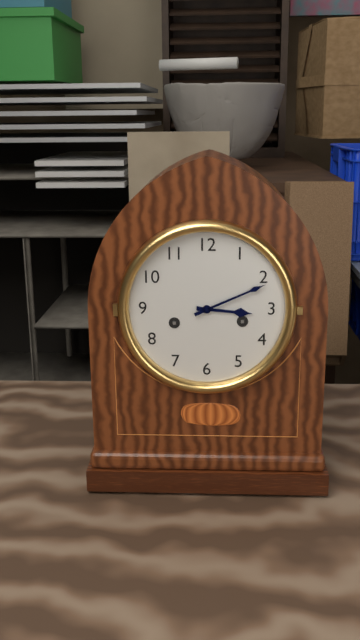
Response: **3:11**
